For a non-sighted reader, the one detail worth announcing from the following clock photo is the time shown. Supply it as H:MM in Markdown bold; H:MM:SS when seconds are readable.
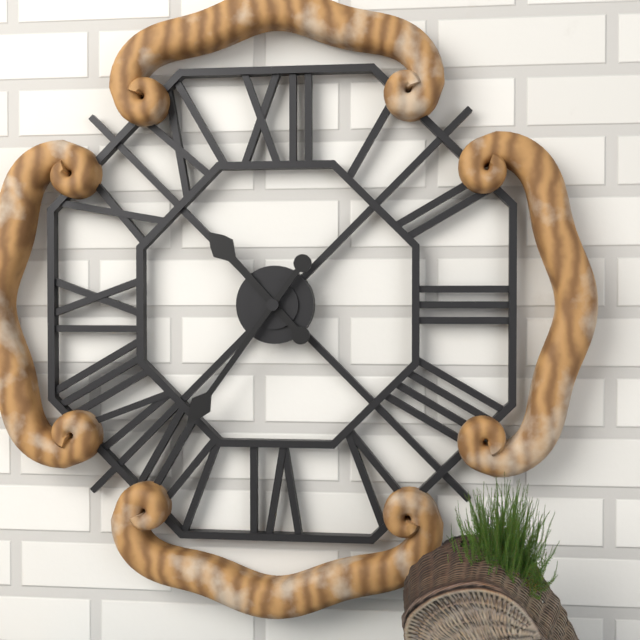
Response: **10:36**
